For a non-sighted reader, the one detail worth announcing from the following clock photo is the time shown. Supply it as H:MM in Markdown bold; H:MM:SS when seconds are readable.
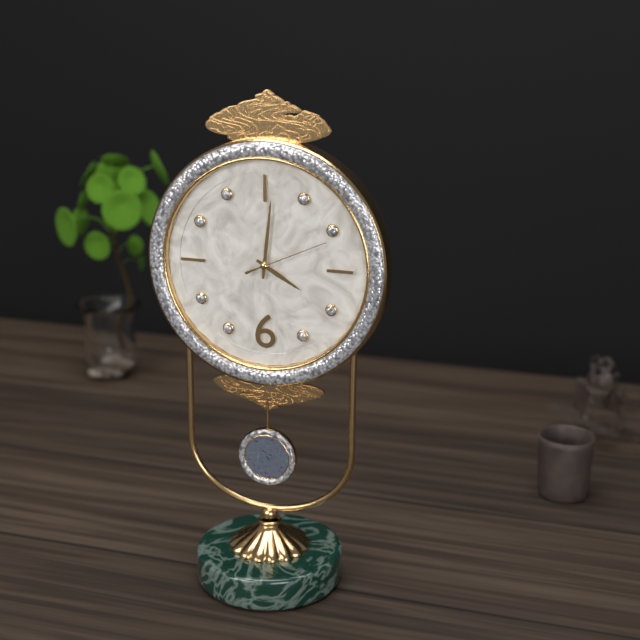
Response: **4:01:11**
